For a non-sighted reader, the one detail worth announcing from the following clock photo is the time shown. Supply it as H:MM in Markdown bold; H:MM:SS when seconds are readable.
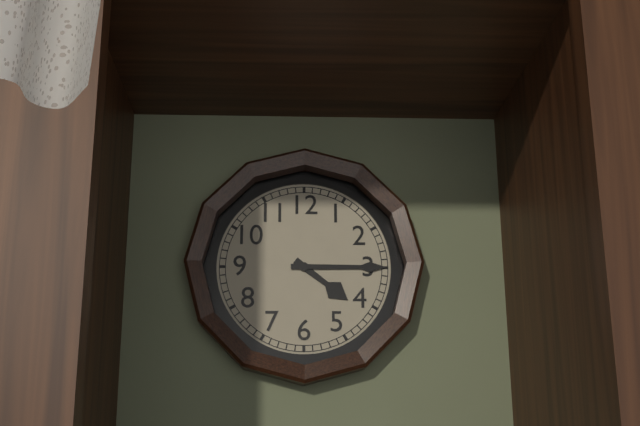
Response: **4:15**
